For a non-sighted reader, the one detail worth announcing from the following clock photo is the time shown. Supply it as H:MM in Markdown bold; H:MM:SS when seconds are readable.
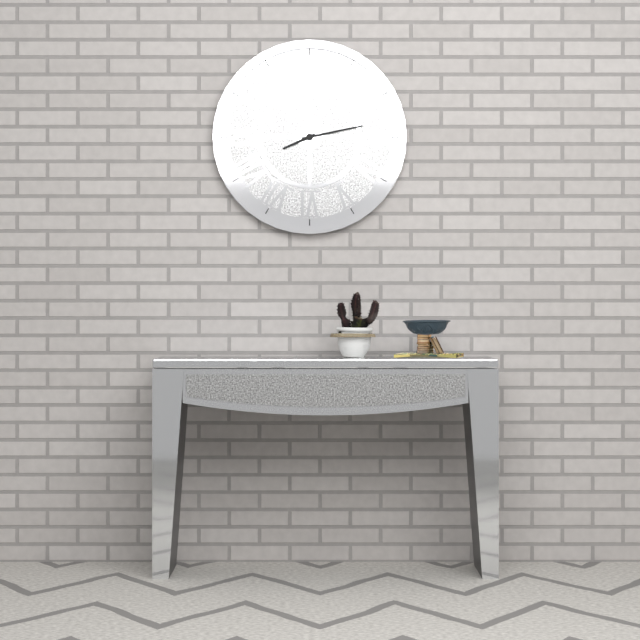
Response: **8:13**
